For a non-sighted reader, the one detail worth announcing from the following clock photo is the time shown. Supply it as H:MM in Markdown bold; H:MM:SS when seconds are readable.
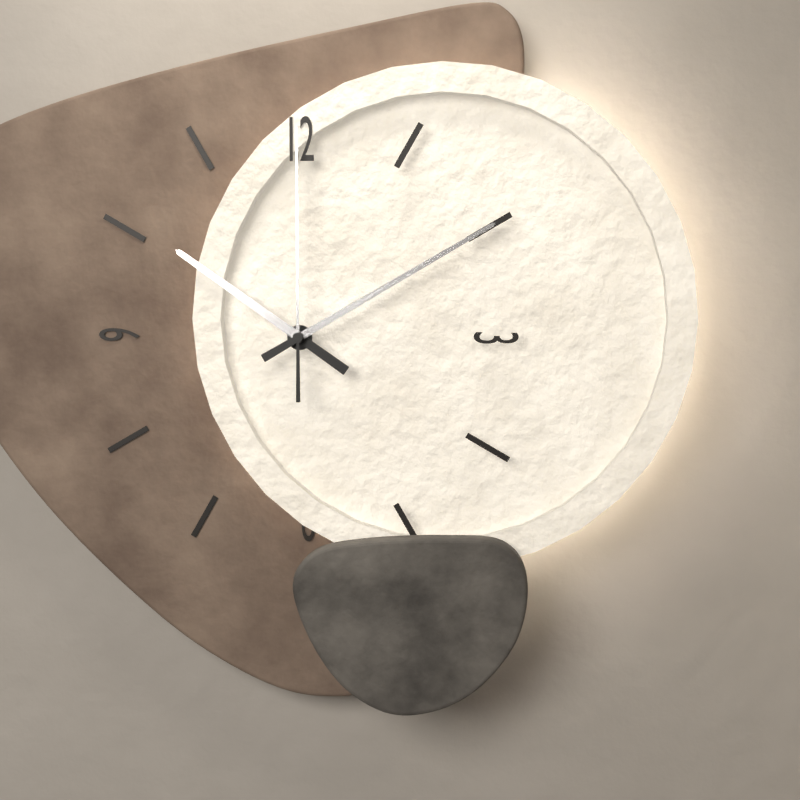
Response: **10:10:00**
